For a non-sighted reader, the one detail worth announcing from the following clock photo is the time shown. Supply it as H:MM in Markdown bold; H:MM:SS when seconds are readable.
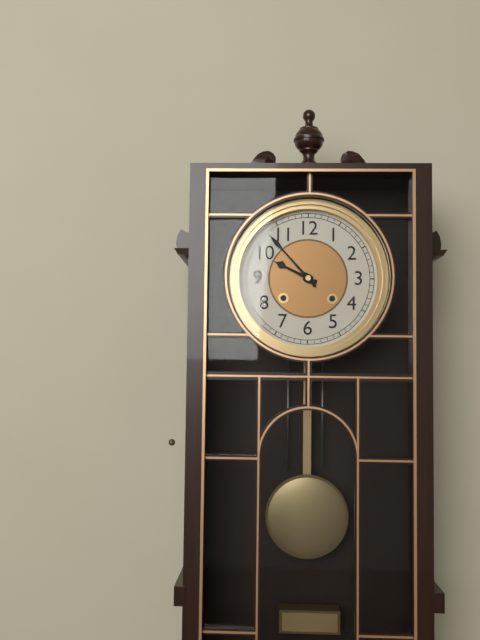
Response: **9:53**
